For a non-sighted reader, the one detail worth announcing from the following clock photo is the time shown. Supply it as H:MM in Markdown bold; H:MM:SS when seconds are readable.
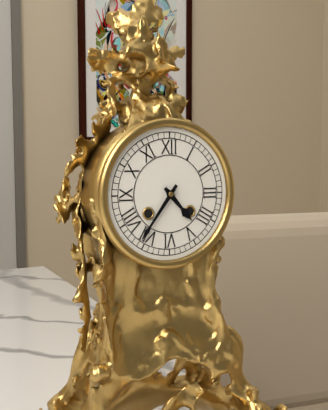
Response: **4:36**
